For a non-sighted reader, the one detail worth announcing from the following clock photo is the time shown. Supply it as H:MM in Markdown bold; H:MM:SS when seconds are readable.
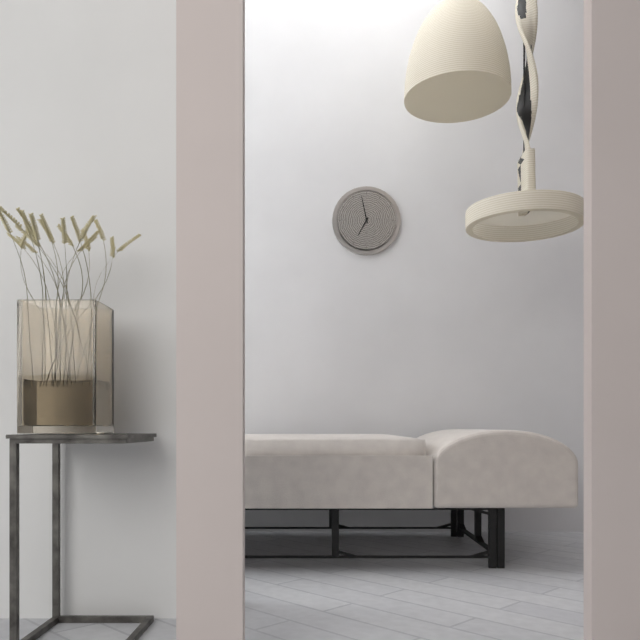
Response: **6:58**
